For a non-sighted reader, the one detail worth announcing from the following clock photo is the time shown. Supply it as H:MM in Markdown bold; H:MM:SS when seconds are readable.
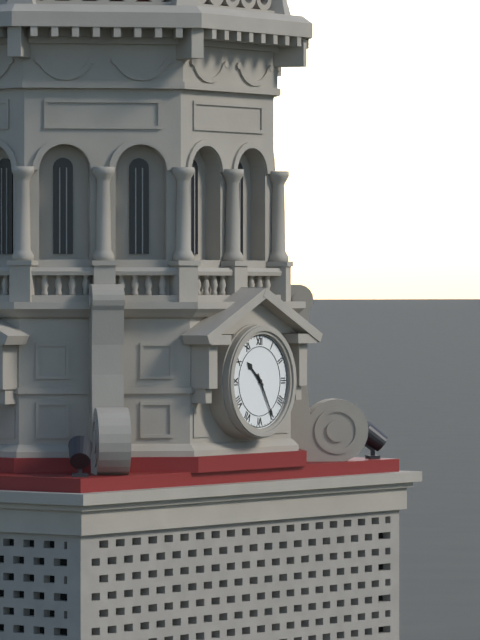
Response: **10:25**
